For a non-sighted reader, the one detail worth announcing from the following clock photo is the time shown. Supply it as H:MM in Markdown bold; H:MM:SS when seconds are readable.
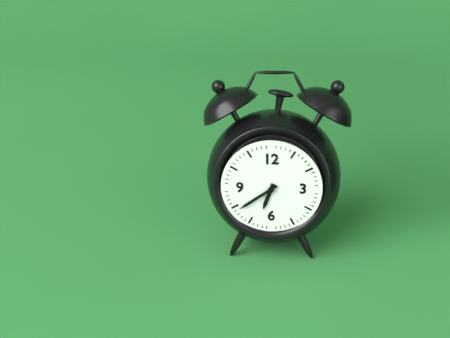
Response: **6:39**
